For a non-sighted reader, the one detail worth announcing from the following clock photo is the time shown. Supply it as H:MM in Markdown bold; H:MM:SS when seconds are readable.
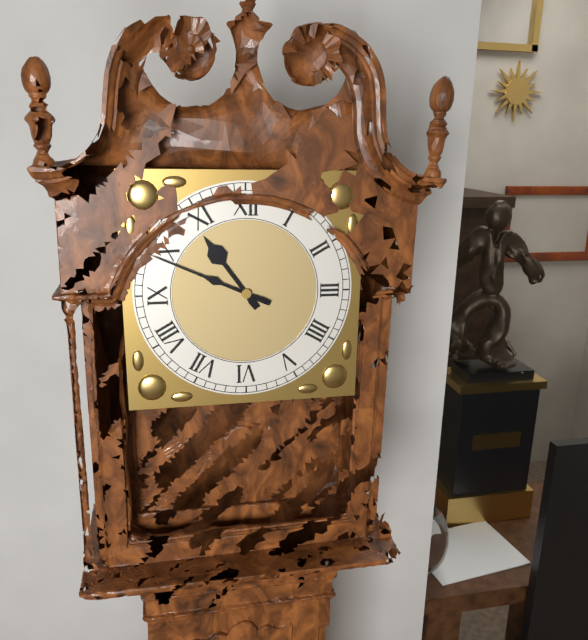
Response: **10:49**
